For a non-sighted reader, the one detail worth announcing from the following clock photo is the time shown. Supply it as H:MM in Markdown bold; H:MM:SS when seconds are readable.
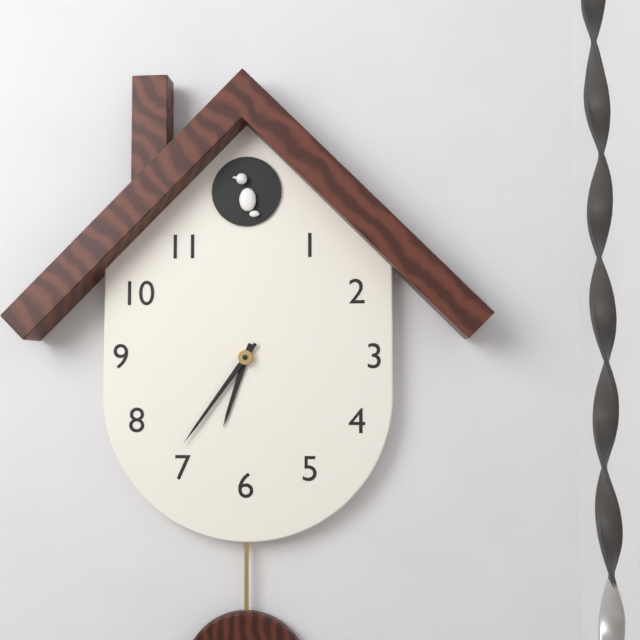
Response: **6:36**
